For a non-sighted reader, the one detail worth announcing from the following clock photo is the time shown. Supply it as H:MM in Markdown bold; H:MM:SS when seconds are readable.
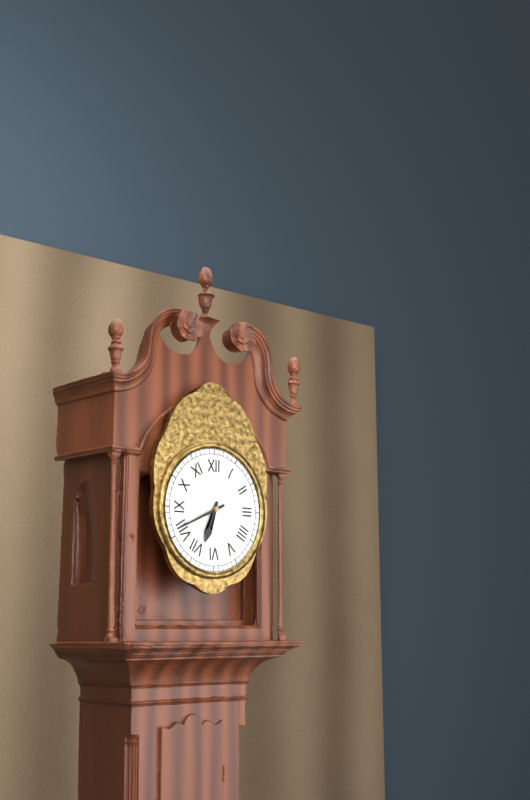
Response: **6:41**
